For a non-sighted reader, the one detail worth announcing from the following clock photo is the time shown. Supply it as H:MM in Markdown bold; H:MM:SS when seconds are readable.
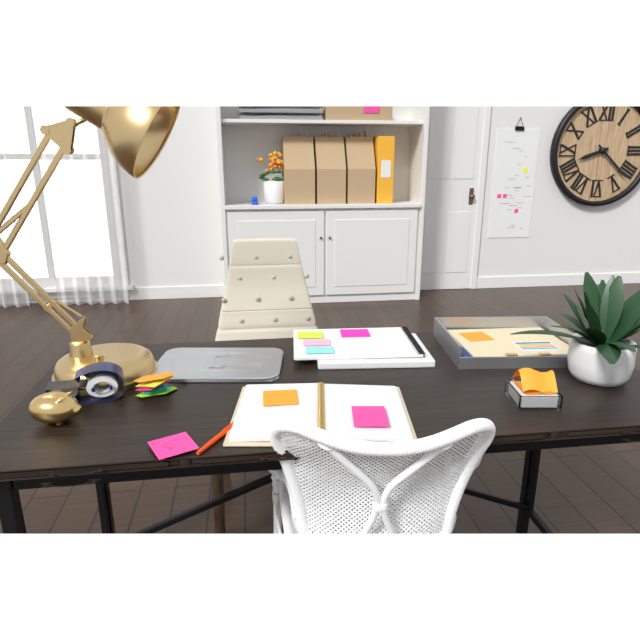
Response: **8:22**
